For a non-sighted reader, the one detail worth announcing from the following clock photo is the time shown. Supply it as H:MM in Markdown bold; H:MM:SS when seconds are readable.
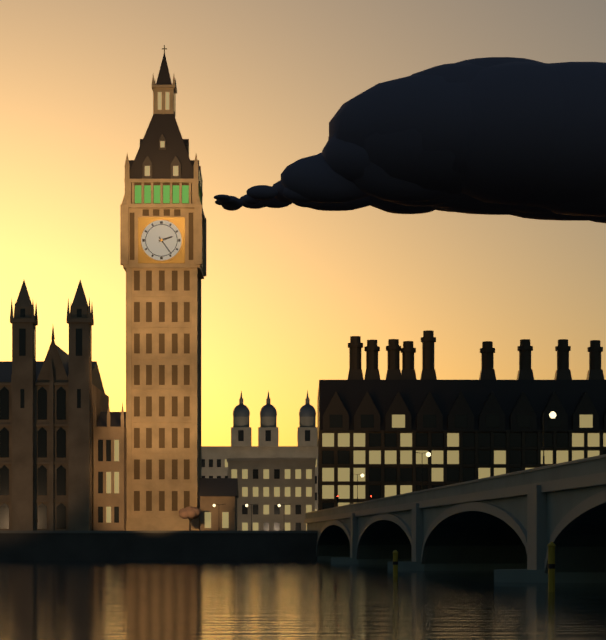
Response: **2:24**
